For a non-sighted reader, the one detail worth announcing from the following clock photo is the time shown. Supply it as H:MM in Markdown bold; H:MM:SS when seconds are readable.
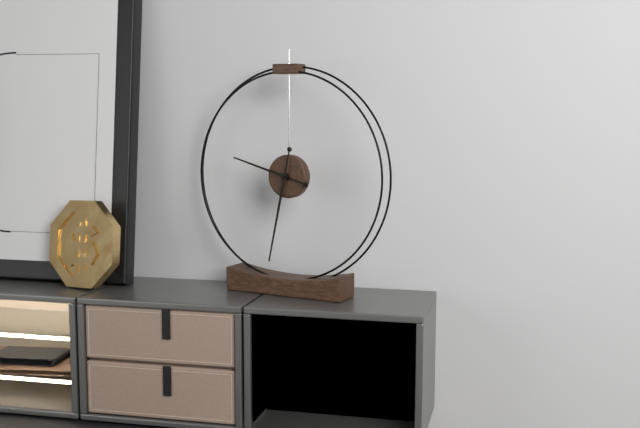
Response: **9:32**
